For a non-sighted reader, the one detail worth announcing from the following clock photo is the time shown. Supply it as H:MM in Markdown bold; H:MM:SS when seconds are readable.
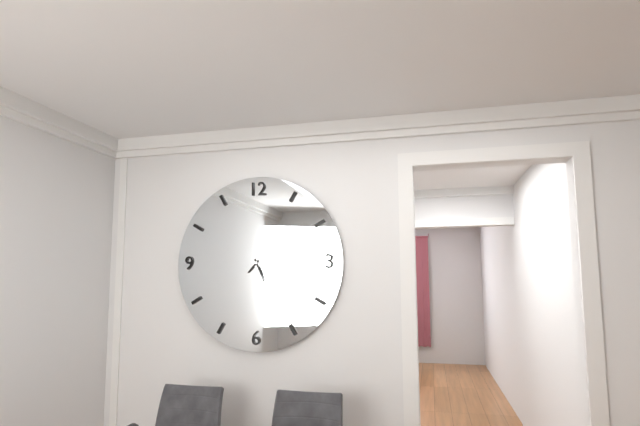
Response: **7:26**
